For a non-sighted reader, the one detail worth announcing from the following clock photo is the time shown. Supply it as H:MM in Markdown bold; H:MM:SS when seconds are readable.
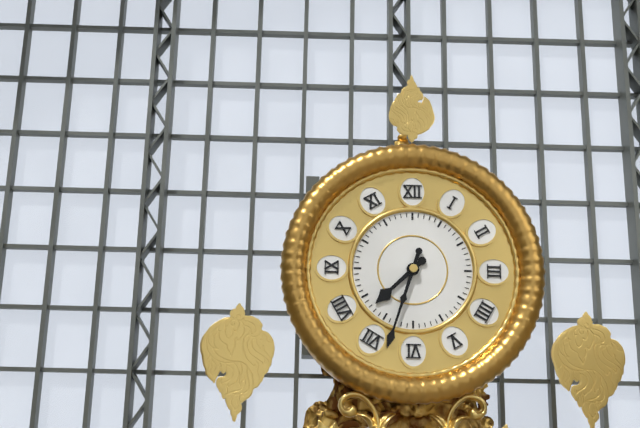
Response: **7:33**
